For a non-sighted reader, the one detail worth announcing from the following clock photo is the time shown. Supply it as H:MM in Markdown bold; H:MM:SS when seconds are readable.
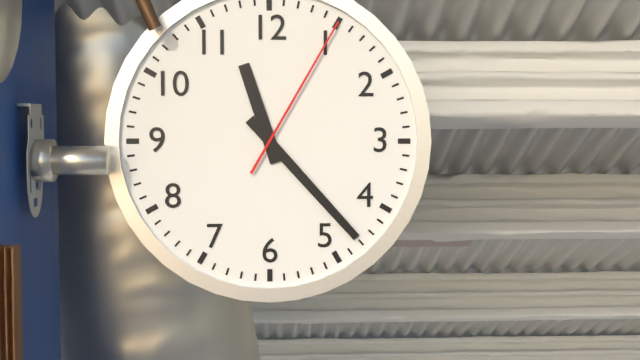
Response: **11:23:05**
